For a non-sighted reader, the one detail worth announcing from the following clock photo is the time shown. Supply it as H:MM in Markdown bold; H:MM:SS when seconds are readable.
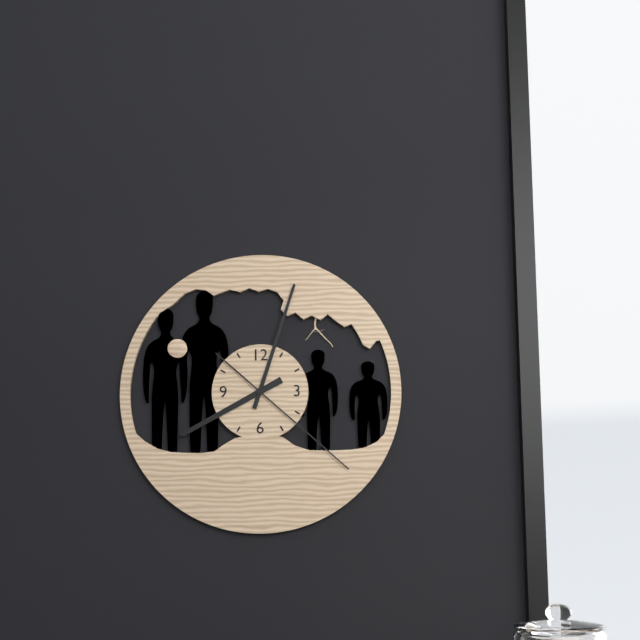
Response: **8:03:22**
